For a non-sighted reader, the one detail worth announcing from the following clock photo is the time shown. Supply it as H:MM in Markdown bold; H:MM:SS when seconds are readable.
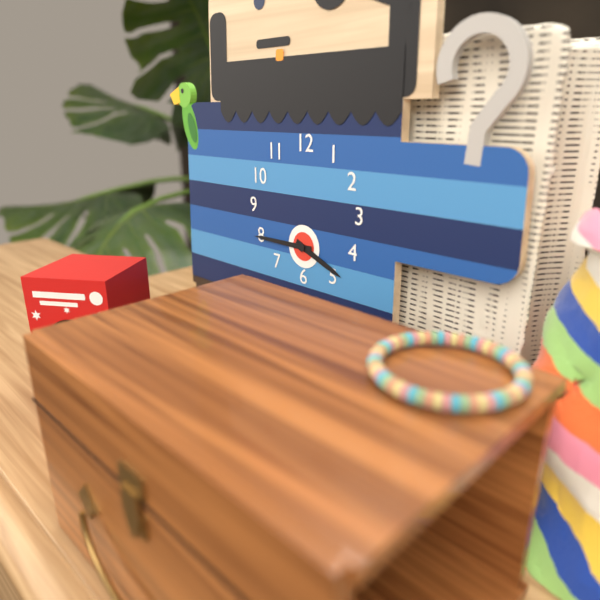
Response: **3:45**
